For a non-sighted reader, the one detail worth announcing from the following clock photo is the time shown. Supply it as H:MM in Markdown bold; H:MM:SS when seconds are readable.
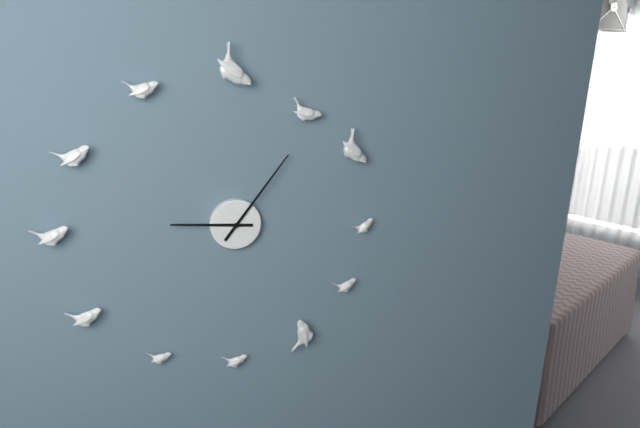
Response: **9:06**
